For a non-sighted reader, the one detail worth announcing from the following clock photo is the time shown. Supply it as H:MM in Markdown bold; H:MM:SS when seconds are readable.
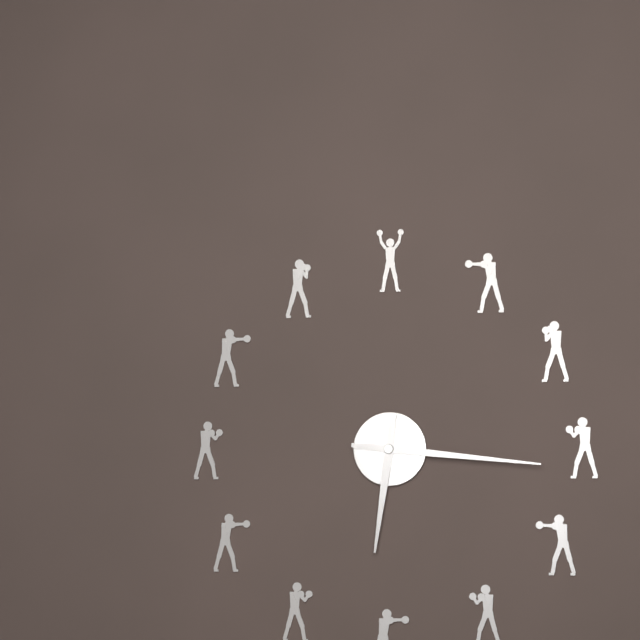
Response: **6:16**
